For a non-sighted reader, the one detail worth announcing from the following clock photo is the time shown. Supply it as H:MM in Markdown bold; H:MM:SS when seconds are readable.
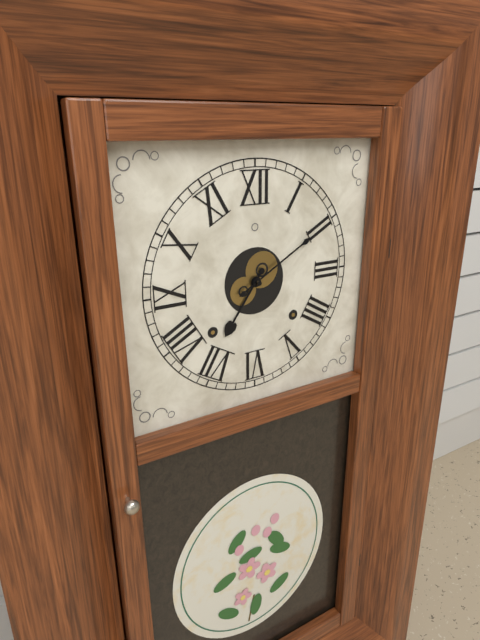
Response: **7:10**
